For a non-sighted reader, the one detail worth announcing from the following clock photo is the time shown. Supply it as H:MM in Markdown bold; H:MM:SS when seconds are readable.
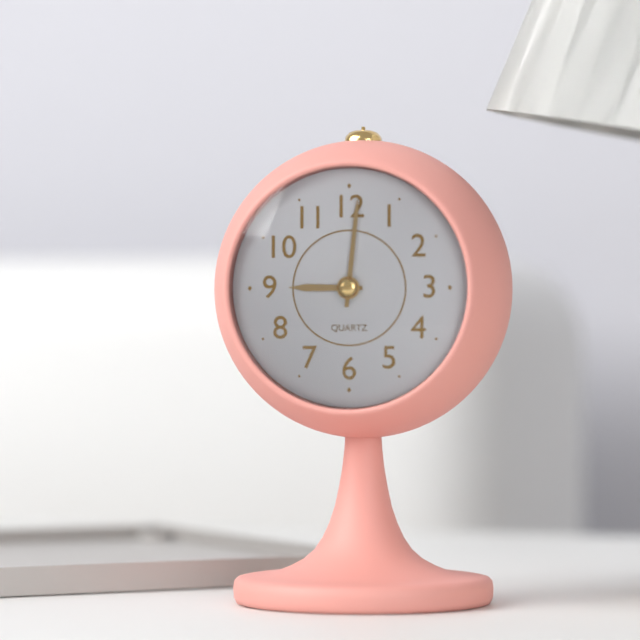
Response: **9:01**
